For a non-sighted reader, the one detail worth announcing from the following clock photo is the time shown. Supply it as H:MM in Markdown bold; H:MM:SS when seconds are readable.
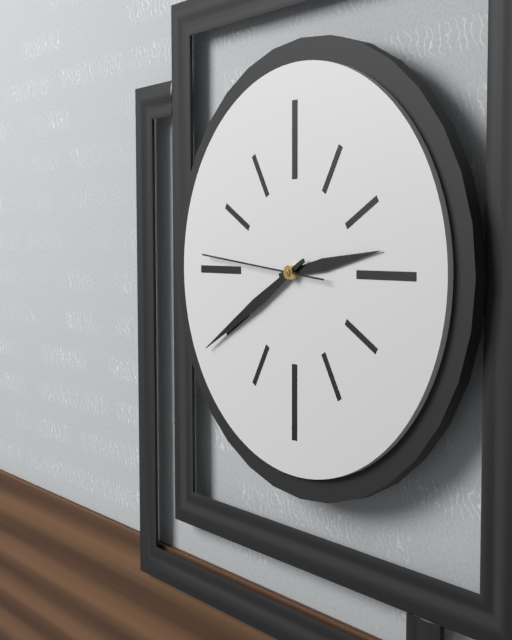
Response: **2:40:46**
